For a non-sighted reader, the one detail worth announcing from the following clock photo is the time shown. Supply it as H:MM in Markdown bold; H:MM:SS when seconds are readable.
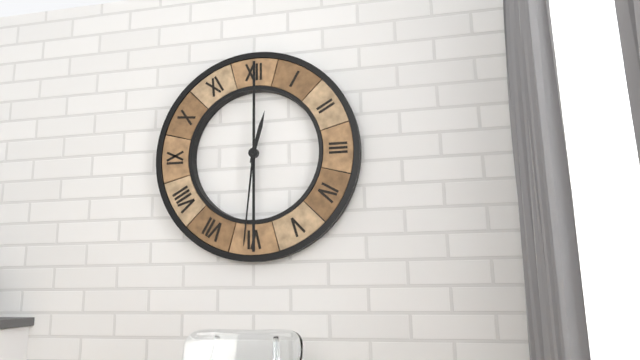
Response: **12:31**
